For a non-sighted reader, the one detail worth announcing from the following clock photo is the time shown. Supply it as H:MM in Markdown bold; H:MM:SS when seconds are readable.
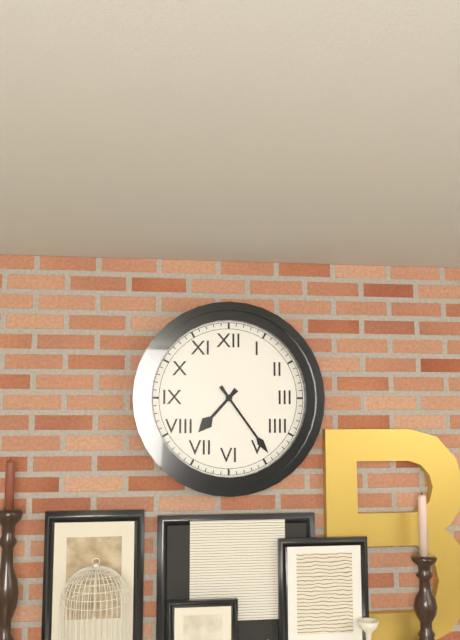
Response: **7:24**
